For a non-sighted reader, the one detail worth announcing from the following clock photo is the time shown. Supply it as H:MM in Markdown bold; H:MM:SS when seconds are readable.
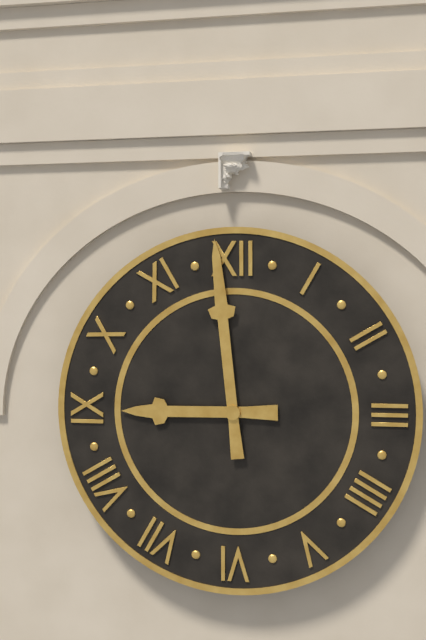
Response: **8:59**
